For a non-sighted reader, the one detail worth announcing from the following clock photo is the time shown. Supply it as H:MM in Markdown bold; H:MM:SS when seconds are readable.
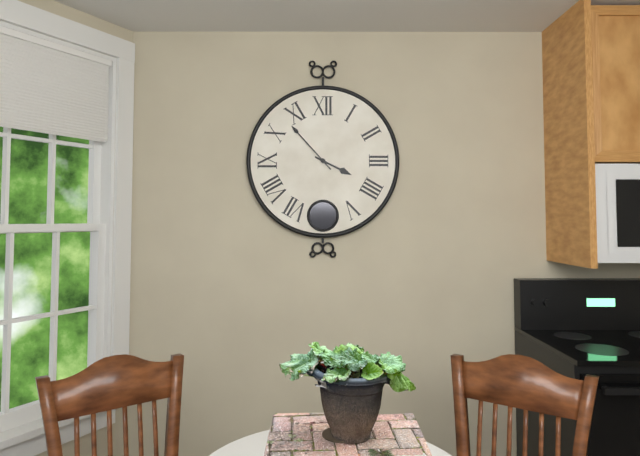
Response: **3:53**
